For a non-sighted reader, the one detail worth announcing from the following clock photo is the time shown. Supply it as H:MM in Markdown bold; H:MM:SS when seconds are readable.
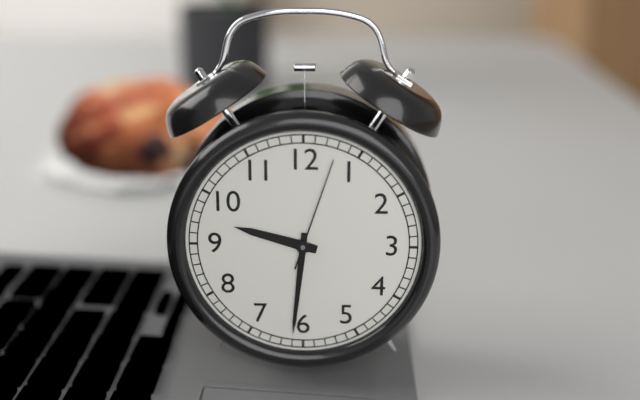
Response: **9:31:03**
